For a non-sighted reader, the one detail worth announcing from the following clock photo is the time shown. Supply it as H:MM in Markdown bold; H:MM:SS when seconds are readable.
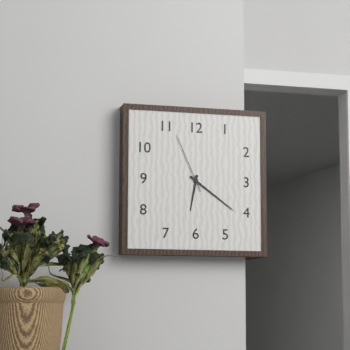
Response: **6:21:56**
